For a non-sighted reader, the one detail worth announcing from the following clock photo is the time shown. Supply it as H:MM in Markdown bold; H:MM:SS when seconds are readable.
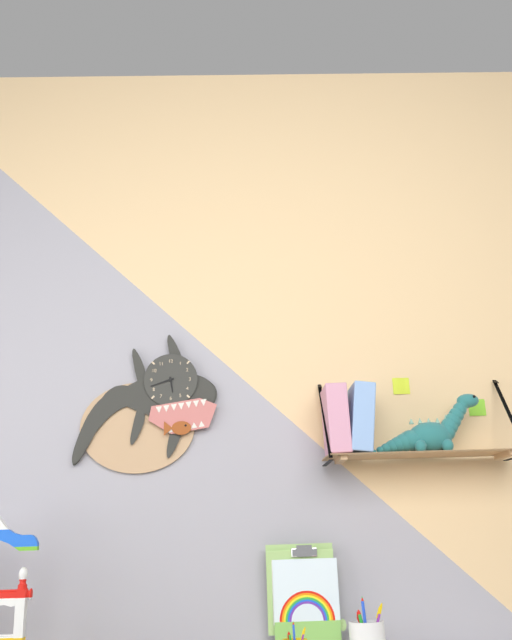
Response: **5:42**
